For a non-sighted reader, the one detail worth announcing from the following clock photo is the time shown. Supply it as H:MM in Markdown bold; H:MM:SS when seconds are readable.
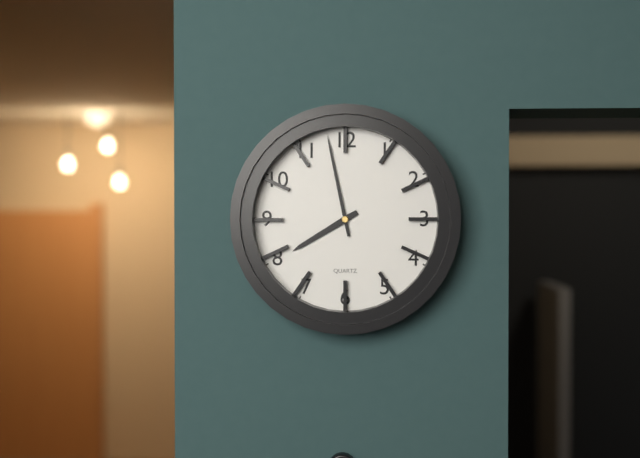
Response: **7:58**
